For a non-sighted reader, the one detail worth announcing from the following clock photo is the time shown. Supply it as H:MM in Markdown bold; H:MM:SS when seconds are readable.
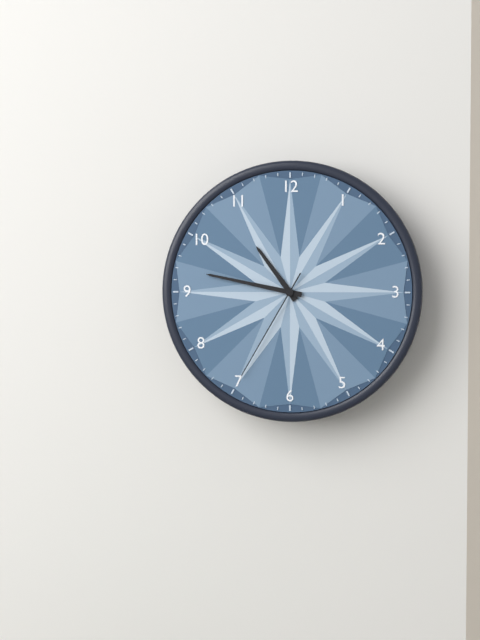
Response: **10:47:35**
